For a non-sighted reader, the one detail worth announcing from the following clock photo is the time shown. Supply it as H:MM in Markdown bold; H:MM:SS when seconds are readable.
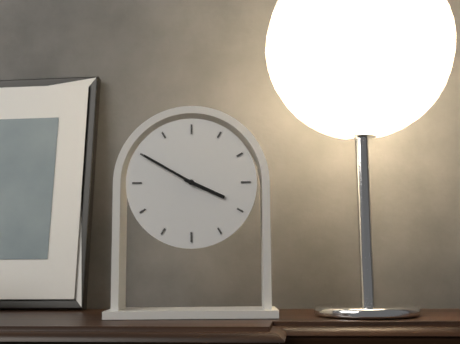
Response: **3:50**
